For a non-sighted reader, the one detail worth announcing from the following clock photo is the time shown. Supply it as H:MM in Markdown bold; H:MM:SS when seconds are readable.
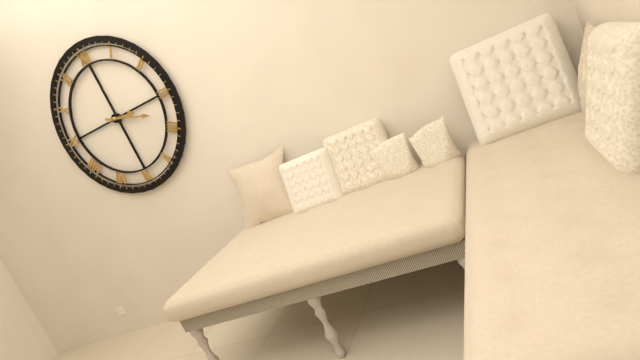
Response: **3:18**
